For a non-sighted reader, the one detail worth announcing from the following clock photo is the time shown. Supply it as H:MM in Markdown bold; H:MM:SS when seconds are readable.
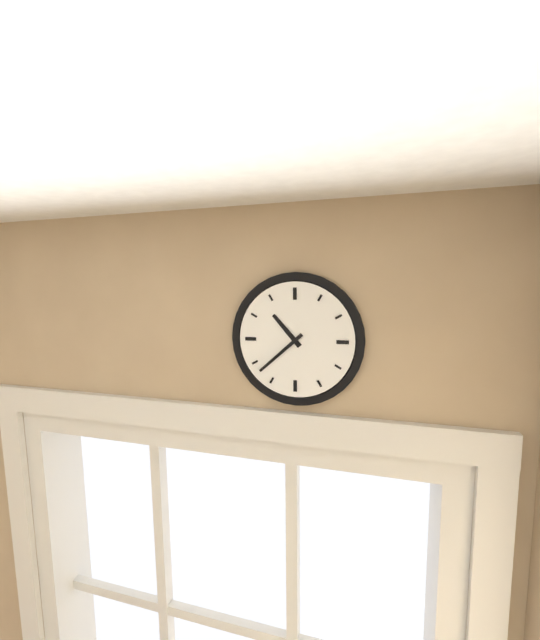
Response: **10:38**
